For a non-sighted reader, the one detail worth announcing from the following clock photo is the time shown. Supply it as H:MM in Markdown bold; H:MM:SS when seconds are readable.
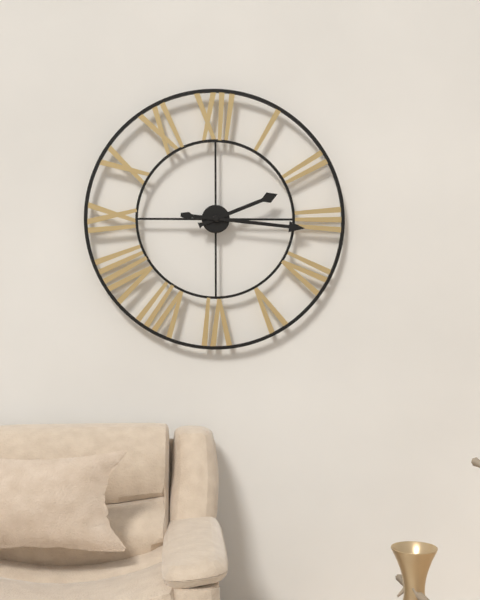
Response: **2:16**
